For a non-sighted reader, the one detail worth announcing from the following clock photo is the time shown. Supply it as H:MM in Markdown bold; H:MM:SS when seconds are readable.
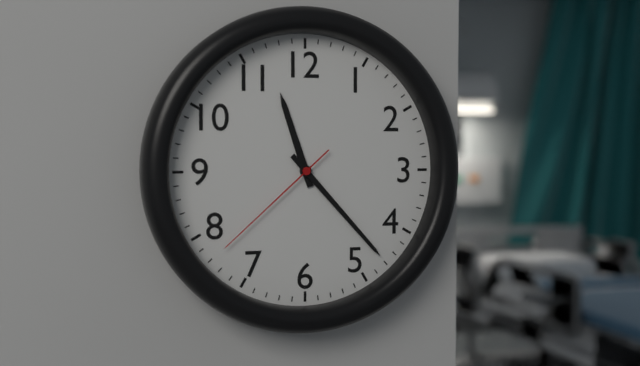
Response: **11:23:38**
